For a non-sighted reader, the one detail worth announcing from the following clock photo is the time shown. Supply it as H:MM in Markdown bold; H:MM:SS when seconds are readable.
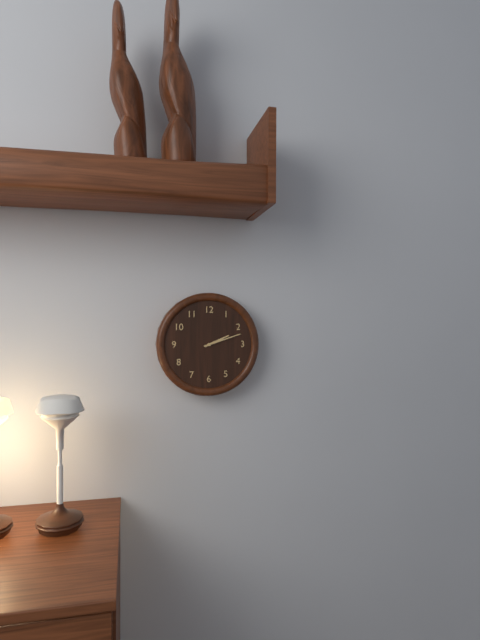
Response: **2:12**
